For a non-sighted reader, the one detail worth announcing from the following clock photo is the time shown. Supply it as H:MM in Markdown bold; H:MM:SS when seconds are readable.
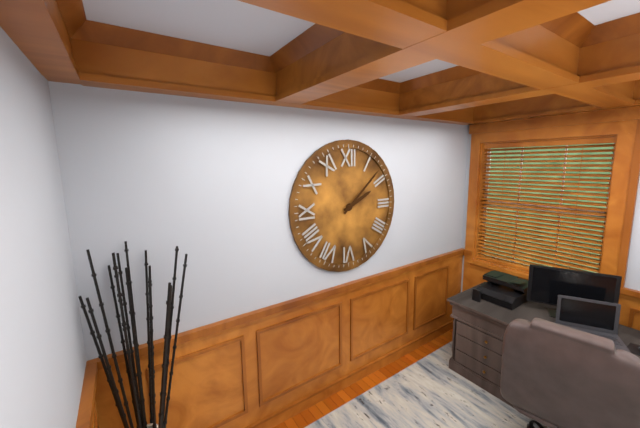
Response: **2:08**
